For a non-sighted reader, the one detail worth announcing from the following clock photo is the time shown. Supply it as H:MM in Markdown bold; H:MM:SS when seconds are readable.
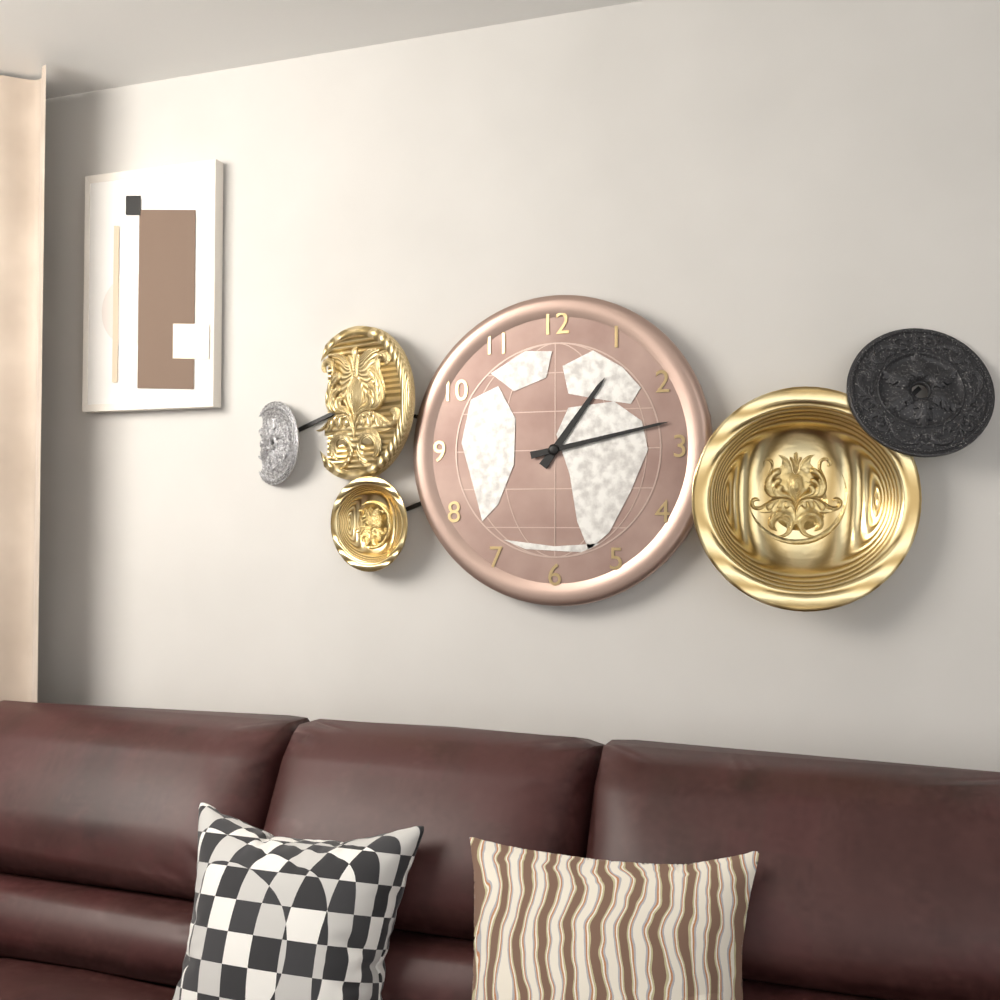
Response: **1:13**
